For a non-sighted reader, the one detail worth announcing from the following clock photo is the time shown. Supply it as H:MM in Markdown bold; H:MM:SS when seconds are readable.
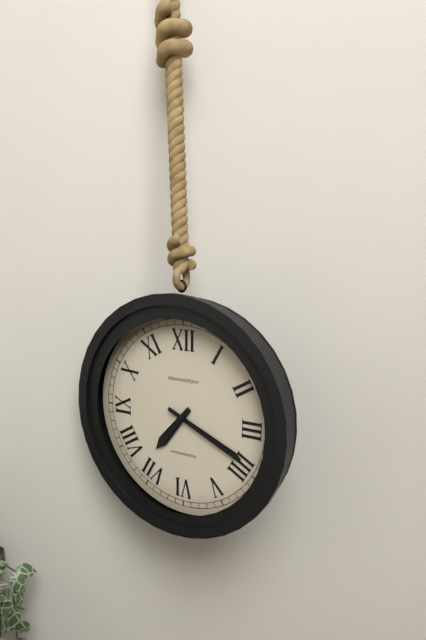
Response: **7:19**
